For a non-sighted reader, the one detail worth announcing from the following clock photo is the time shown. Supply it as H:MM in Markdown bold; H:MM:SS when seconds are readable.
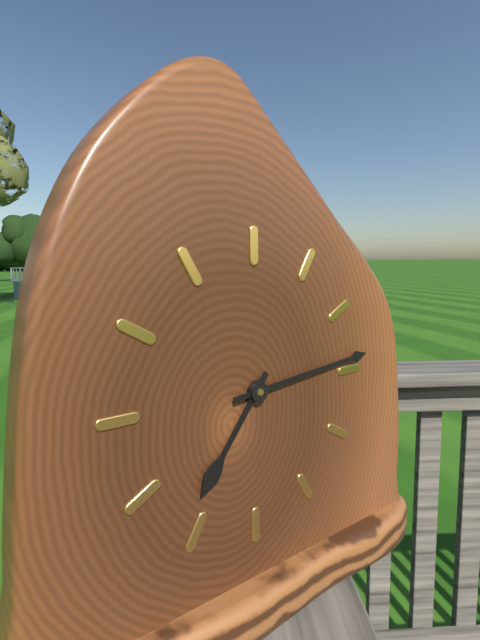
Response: **7:14**
